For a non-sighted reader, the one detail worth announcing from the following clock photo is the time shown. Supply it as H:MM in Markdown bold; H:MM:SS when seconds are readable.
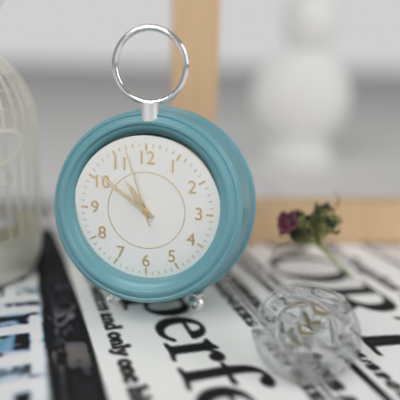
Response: **10:51:57**
